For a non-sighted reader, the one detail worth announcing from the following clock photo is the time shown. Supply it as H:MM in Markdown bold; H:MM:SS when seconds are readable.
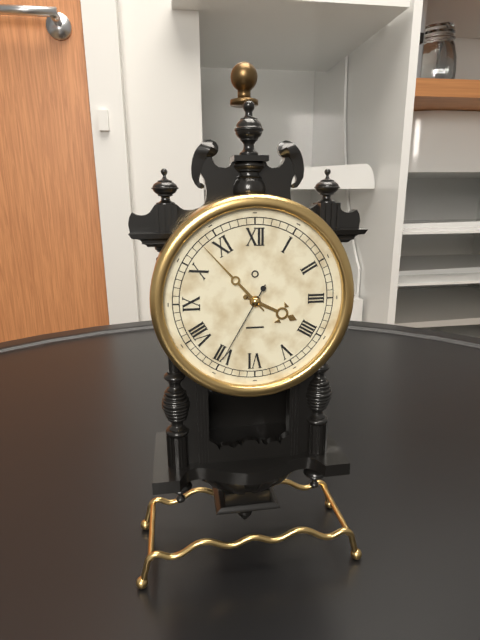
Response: **3:53:35**
